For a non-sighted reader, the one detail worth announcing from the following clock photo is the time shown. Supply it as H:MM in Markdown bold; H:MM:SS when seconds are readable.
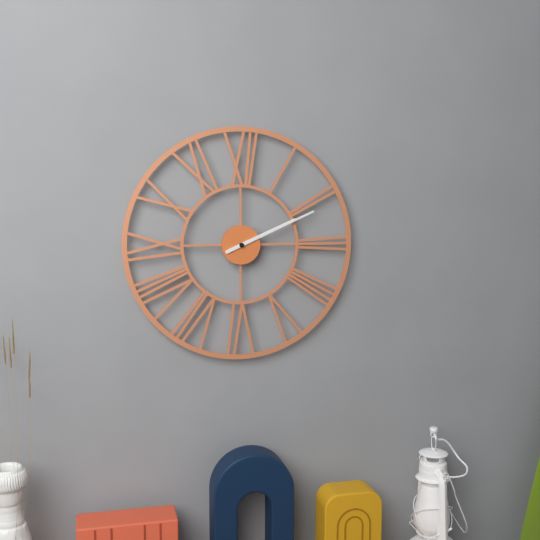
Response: **2:11**
